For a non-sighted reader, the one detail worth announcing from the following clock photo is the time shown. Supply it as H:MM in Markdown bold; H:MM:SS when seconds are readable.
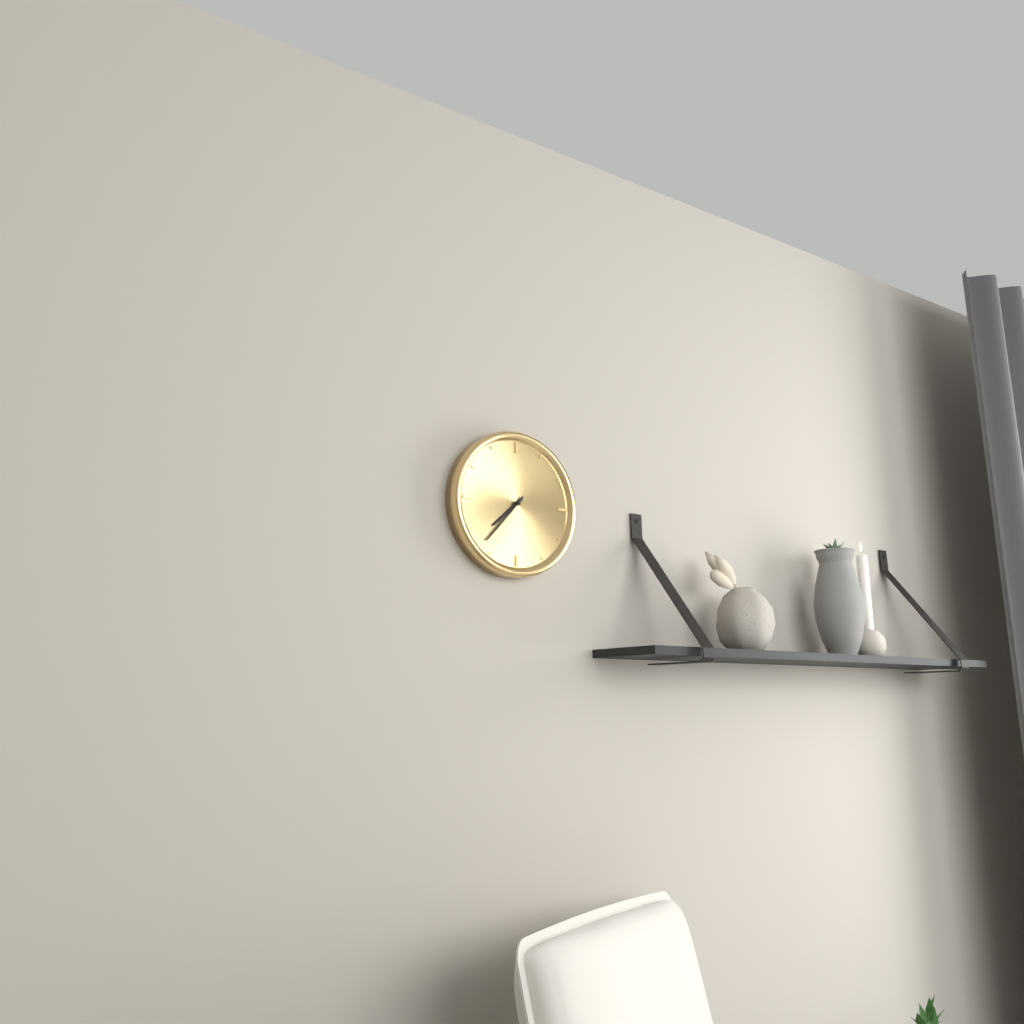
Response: **7:37**
